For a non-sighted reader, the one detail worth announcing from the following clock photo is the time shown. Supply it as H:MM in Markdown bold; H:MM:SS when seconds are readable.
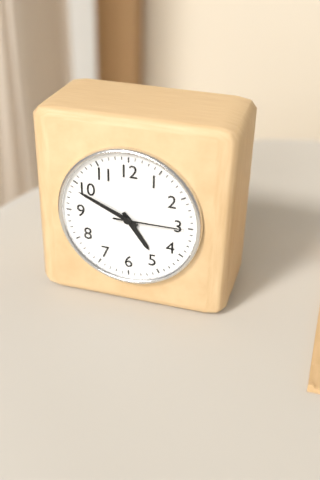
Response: **4:49:15**
